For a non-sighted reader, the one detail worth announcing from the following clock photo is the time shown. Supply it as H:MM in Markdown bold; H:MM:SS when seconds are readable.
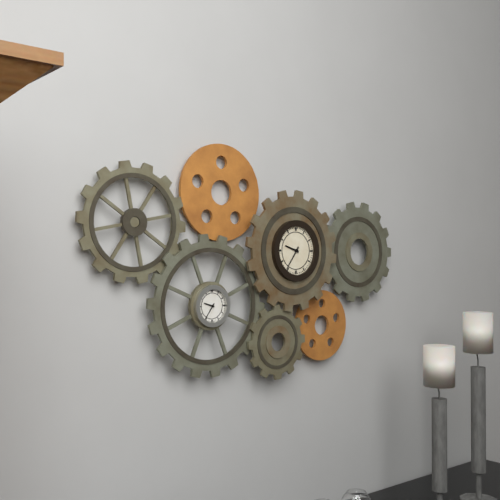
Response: **9:36**
